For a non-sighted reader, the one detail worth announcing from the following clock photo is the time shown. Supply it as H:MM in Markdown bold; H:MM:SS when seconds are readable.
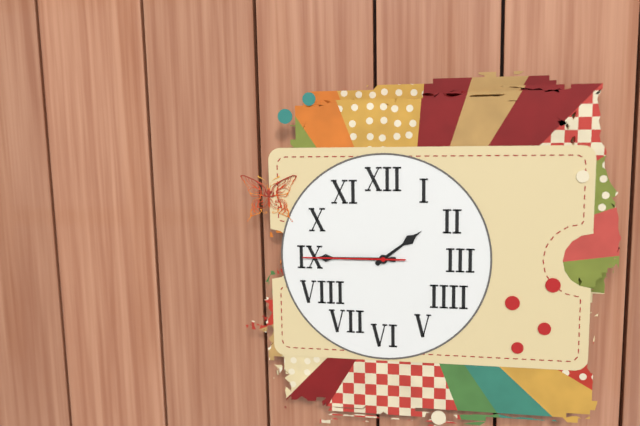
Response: **1:45:45**
